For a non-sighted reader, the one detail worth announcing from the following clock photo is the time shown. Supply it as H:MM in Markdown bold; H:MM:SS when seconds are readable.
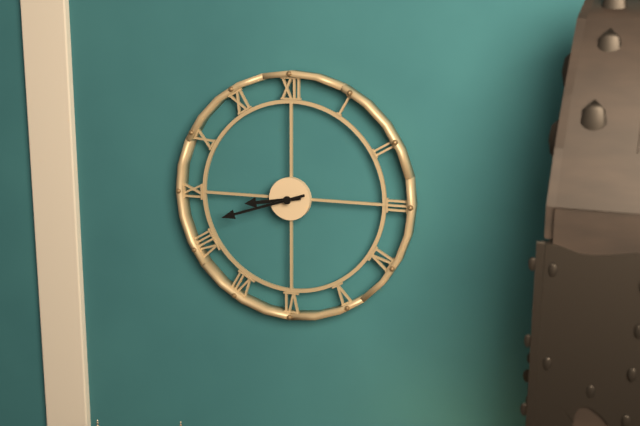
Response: **8:42**
